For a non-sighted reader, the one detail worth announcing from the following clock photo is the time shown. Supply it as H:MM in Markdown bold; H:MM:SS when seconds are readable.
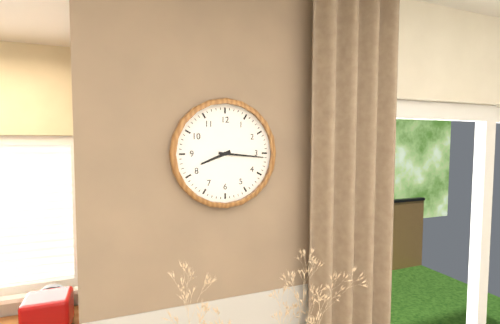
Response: **8:16**
